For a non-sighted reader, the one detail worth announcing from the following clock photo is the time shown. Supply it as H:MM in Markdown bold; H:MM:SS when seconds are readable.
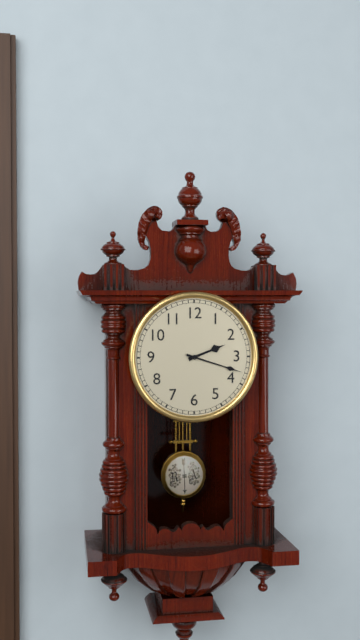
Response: **2:18**
